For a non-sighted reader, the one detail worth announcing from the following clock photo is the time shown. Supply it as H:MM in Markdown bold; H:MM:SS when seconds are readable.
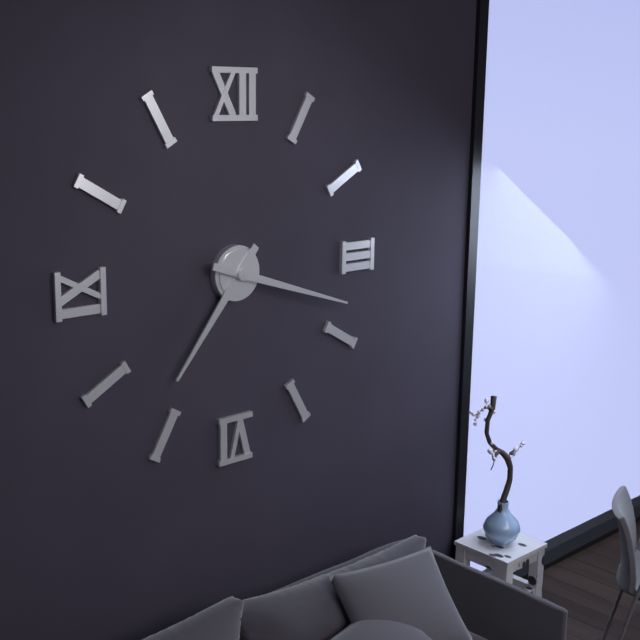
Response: **7:18**
